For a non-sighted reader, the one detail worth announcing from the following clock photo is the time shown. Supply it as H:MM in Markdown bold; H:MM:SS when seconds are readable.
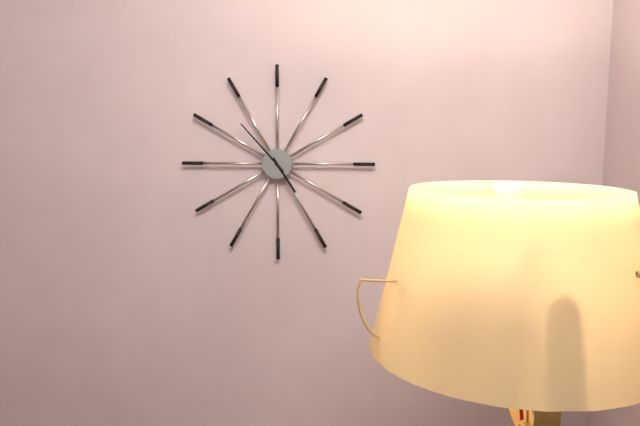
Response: **4:53**
